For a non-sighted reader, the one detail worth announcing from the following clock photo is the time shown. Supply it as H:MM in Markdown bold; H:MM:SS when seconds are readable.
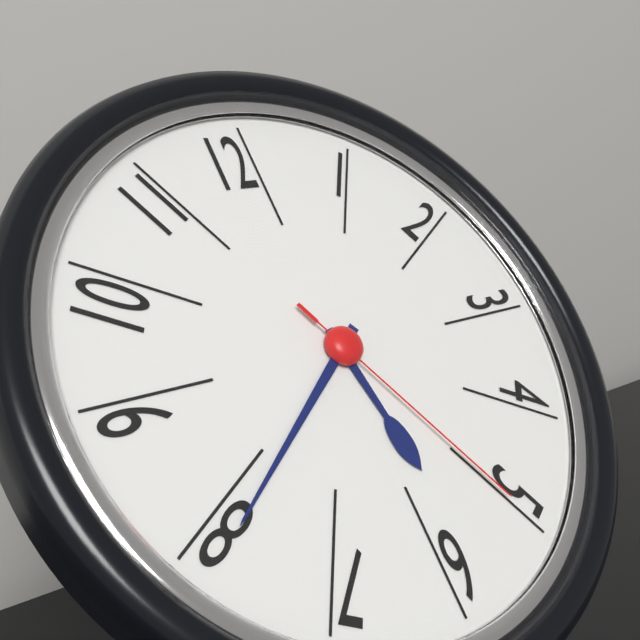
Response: **5:39:25**
